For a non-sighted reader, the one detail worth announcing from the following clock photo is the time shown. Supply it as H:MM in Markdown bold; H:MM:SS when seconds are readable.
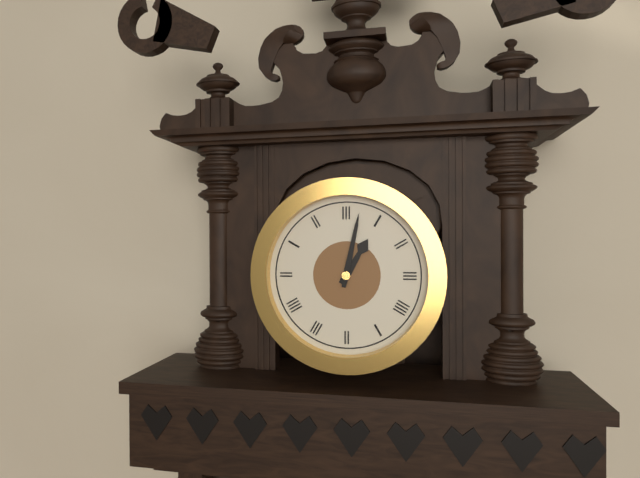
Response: **1:02**
